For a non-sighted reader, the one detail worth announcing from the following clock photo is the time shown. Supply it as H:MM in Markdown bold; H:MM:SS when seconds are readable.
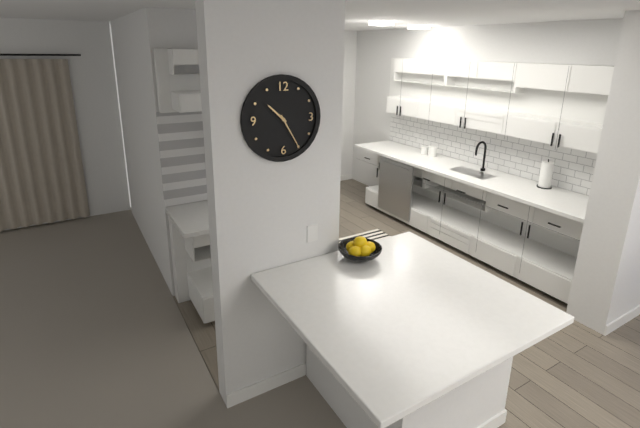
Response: **10:25**
